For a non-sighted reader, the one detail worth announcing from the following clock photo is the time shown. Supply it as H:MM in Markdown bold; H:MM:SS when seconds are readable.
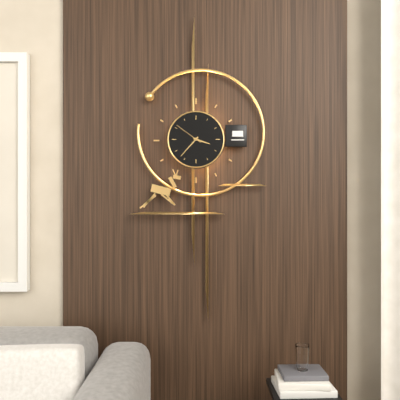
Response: **3:37**
